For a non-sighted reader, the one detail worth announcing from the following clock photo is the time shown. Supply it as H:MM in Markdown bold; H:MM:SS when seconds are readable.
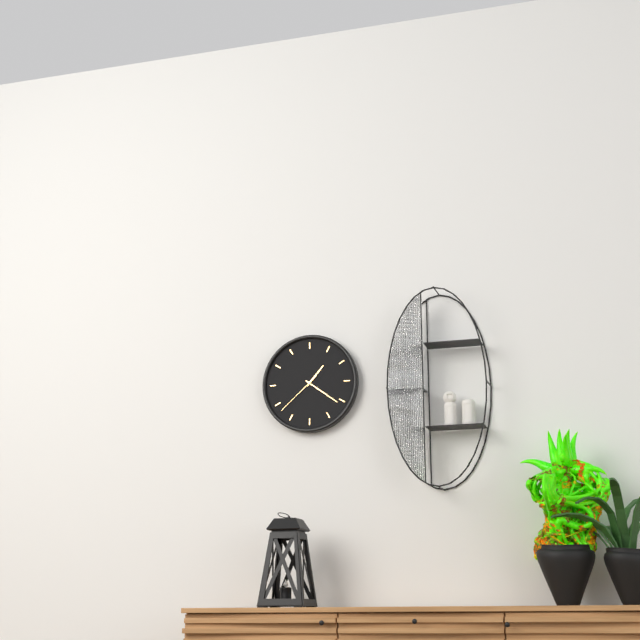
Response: **1:21**
